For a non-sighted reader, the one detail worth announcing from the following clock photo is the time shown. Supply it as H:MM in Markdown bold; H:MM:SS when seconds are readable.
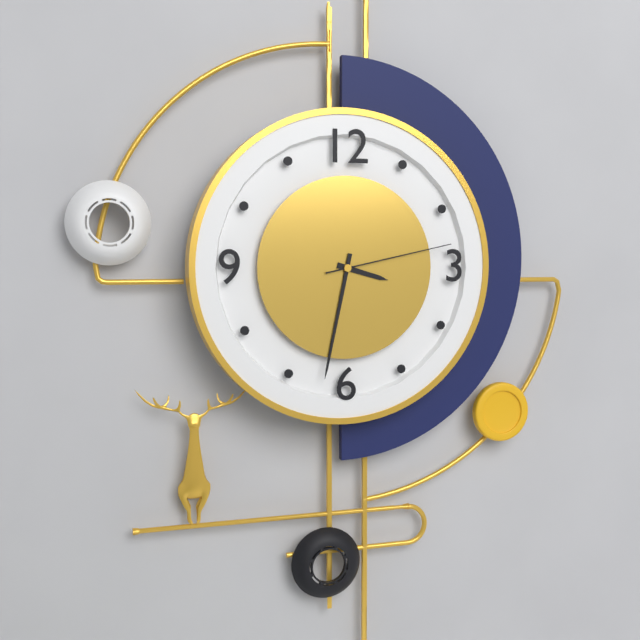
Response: **3:32:13**
